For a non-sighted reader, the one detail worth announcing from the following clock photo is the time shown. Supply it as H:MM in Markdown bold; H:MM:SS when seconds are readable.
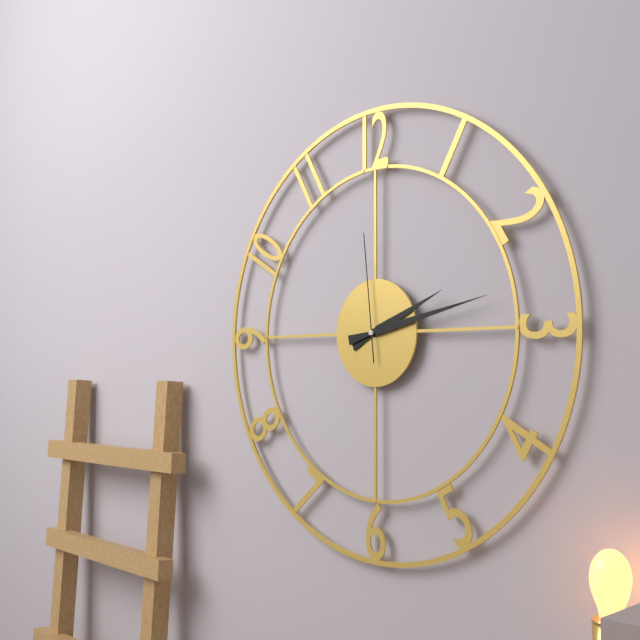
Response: **2:13:59**
